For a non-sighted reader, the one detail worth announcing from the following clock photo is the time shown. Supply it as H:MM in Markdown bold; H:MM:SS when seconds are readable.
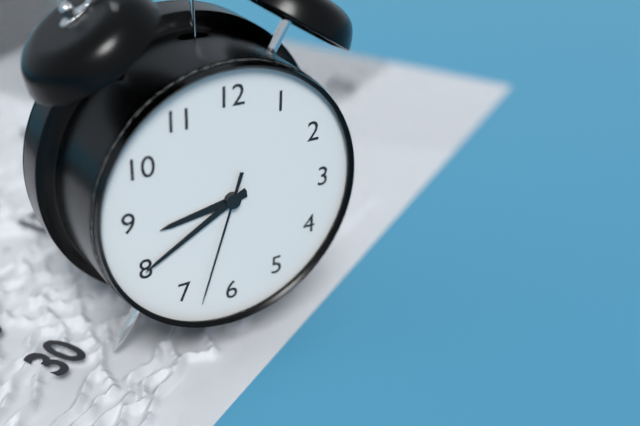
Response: **8:40:33**
